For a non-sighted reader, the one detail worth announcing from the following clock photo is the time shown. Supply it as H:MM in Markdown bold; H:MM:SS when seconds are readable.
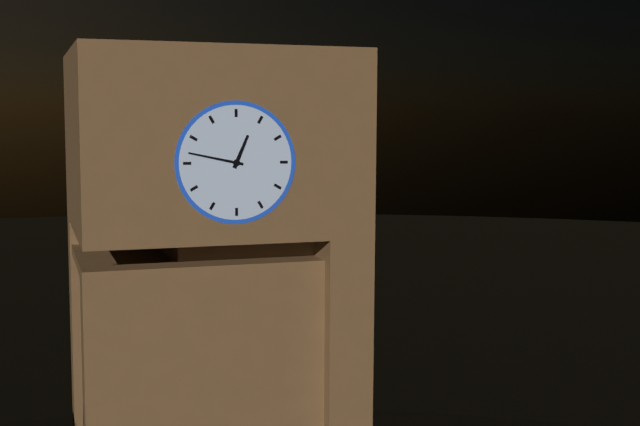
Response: **12:47**
